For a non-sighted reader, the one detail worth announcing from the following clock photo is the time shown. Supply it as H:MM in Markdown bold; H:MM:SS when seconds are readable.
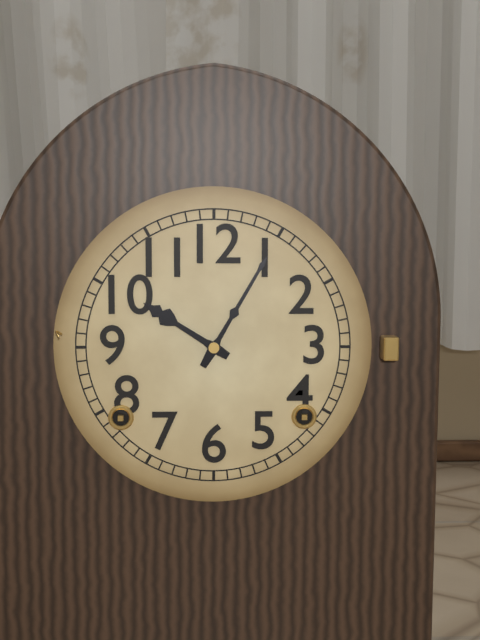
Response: **10:05**
